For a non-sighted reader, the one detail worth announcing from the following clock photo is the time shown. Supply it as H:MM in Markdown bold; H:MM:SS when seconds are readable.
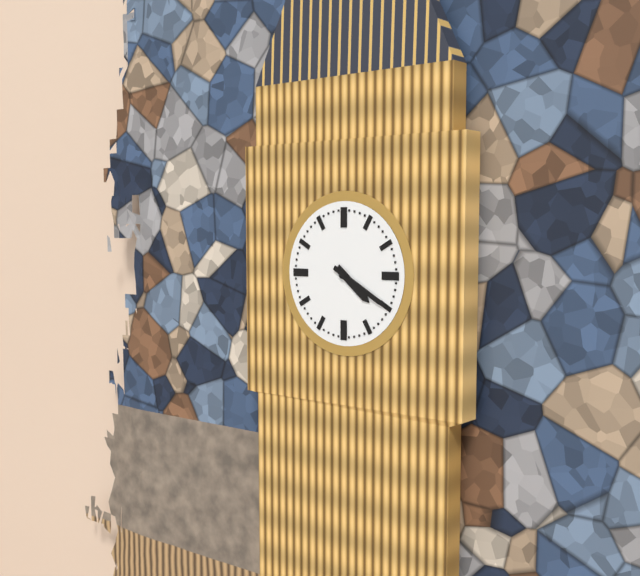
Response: **4:20**
